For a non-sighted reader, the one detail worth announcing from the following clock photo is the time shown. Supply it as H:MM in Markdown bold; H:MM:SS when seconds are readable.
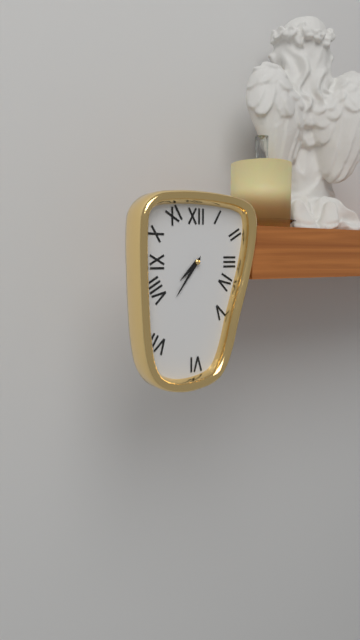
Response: **7:36**
